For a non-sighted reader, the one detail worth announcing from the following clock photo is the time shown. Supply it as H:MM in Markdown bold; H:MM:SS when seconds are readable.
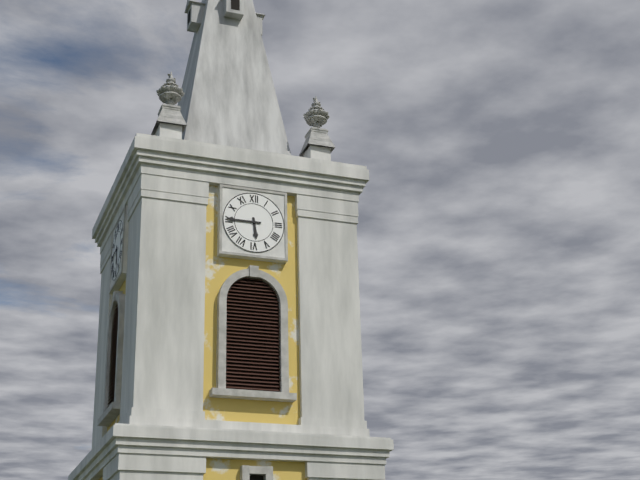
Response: **5:45**
